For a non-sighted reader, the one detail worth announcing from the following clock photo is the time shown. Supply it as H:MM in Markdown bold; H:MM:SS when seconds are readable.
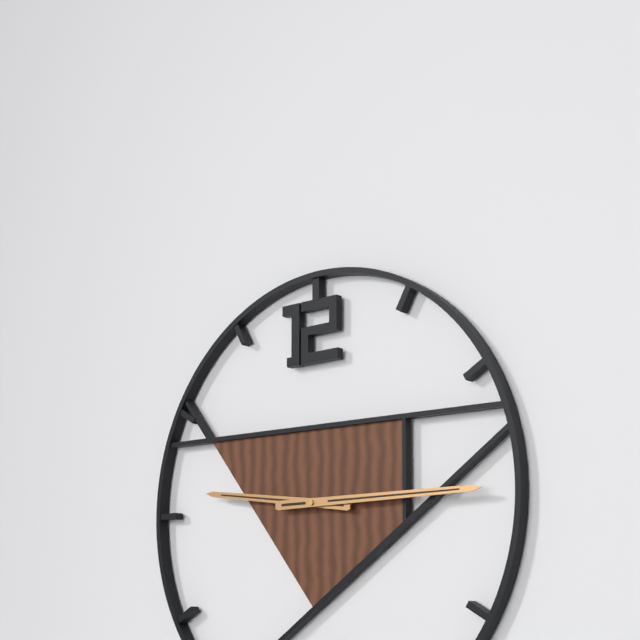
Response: **9:15**
